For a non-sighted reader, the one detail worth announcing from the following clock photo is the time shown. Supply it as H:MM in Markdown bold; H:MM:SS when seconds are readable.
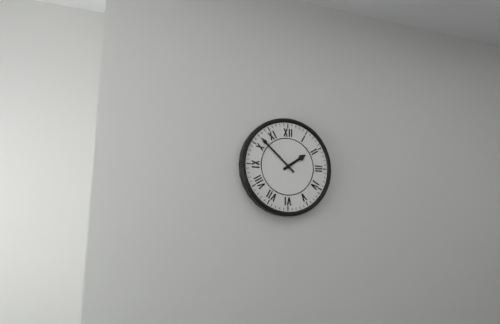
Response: **1:52**
